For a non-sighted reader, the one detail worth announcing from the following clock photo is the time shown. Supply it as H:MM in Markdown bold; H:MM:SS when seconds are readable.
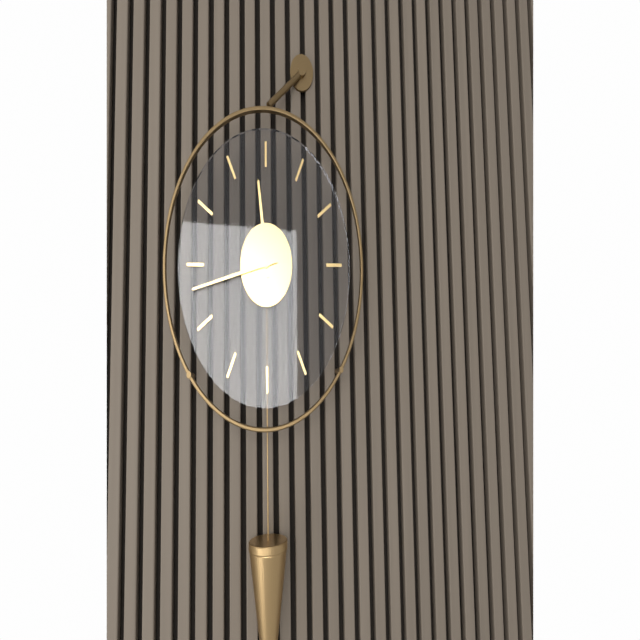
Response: **11:43**
